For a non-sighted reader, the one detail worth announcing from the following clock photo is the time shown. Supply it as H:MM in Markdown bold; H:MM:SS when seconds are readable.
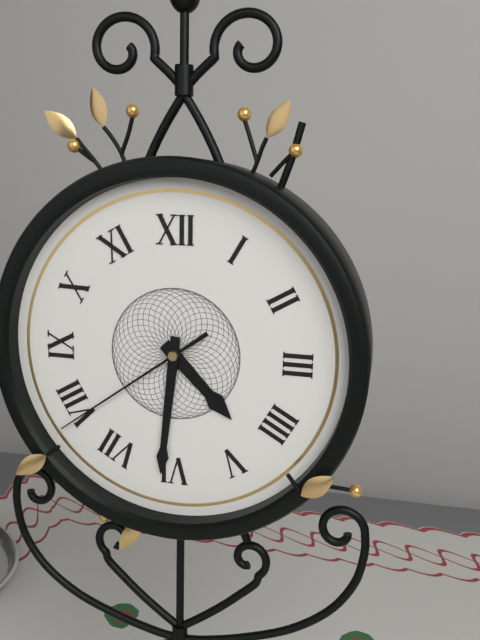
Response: **4:31:39**
